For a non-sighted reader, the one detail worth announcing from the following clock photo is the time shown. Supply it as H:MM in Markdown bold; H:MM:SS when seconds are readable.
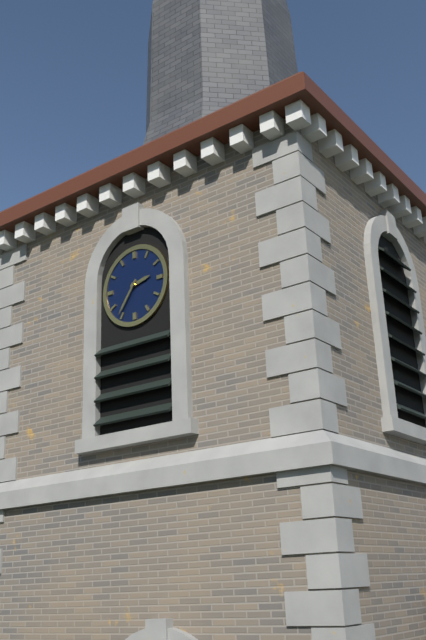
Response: **2:36**
